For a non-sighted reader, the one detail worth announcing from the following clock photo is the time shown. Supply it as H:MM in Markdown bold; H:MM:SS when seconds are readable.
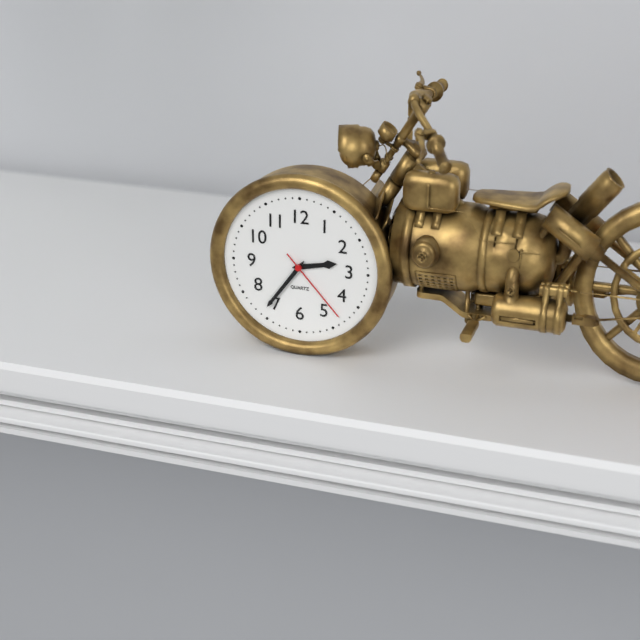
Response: **2:36:23**
